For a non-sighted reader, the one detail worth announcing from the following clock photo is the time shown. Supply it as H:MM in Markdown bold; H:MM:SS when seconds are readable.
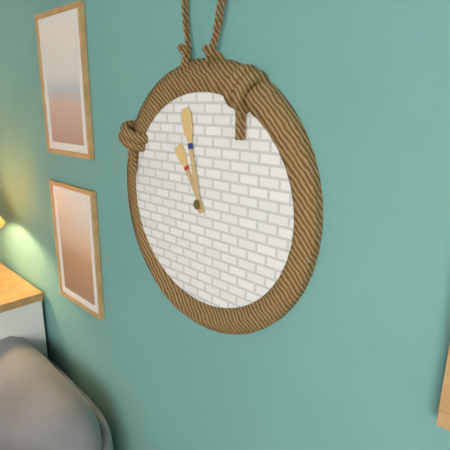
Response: **10:58**
